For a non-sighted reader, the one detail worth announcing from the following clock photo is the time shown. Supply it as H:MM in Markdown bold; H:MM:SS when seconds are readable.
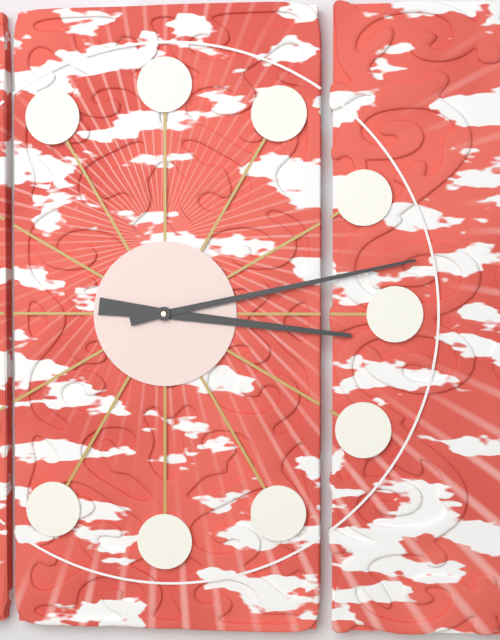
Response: **3:13**
